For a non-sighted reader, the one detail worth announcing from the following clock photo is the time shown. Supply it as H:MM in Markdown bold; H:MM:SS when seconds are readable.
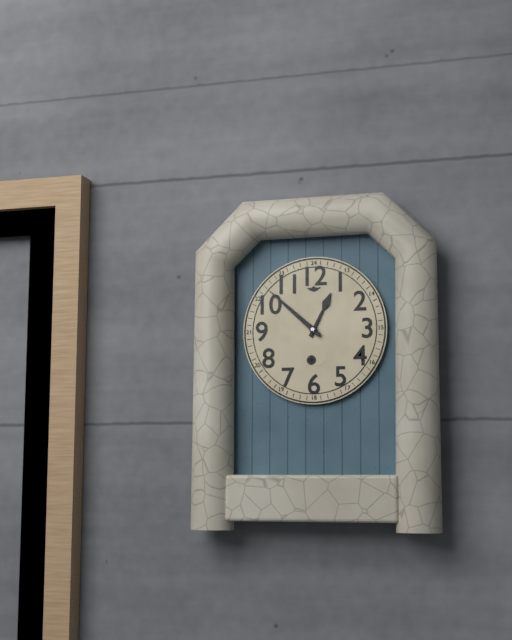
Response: **12:52**
